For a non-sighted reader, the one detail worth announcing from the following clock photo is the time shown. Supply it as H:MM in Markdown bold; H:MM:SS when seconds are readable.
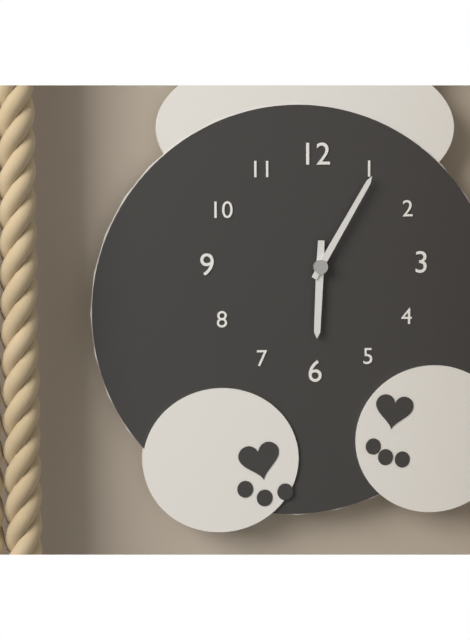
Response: **6:05**
